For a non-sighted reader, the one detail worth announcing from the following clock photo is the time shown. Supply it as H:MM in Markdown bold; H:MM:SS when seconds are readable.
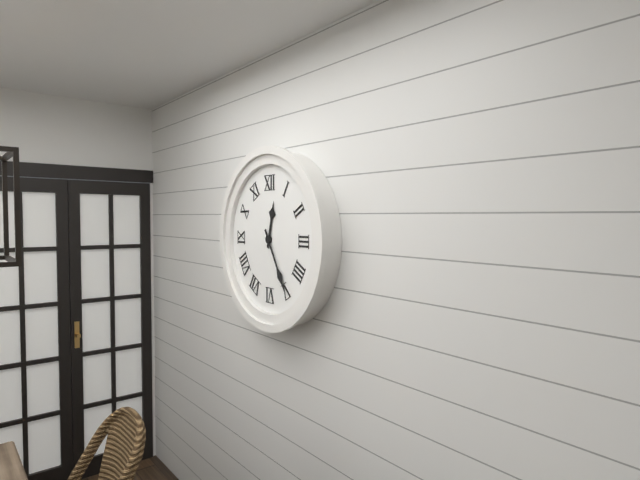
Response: **12:25**
